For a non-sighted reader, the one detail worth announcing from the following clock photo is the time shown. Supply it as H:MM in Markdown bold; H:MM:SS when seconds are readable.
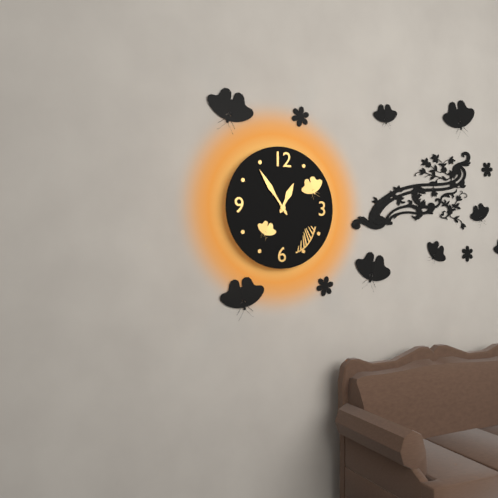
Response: **12:54**
